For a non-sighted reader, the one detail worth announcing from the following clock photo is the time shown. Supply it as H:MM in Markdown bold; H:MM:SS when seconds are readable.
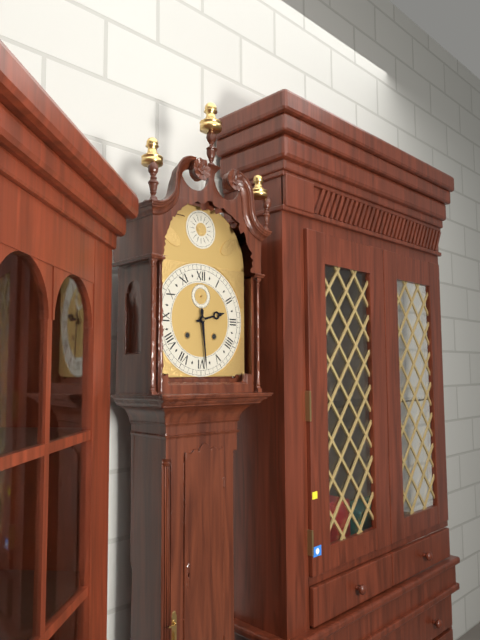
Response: **2:29**
